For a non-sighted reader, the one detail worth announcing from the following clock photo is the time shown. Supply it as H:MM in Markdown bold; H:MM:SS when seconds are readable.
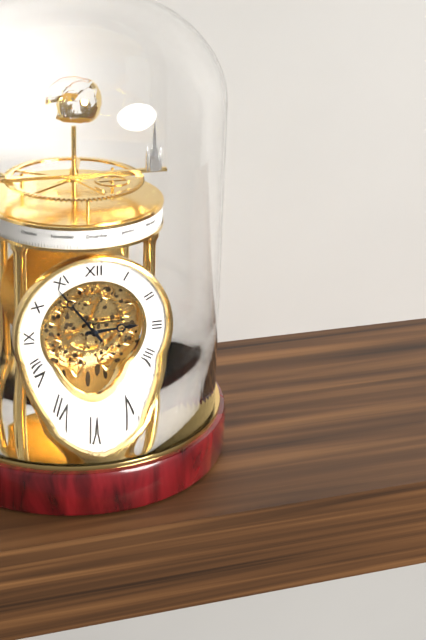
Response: **2:54**
